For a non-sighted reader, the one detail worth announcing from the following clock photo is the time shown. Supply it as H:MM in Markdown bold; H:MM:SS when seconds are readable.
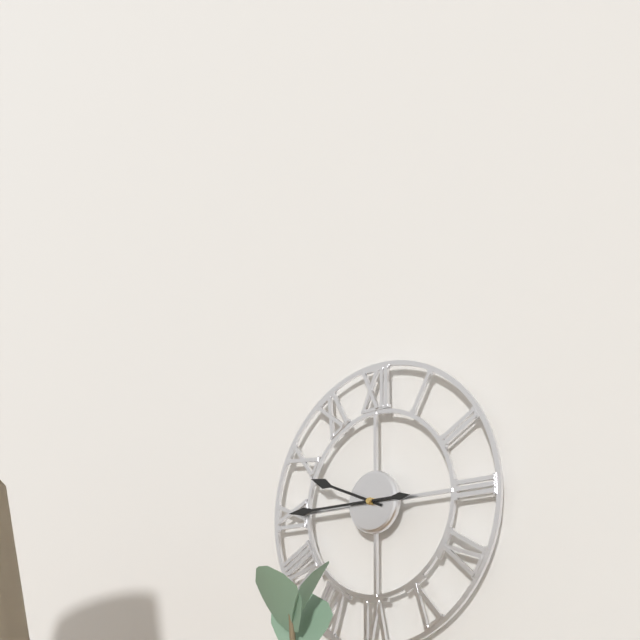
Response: **9:45**
